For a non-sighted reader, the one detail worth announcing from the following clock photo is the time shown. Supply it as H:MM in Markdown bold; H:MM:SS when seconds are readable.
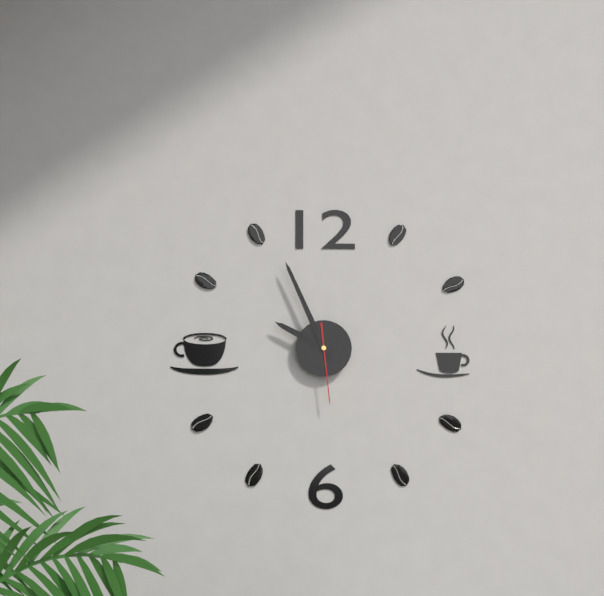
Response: **9:56:29**
